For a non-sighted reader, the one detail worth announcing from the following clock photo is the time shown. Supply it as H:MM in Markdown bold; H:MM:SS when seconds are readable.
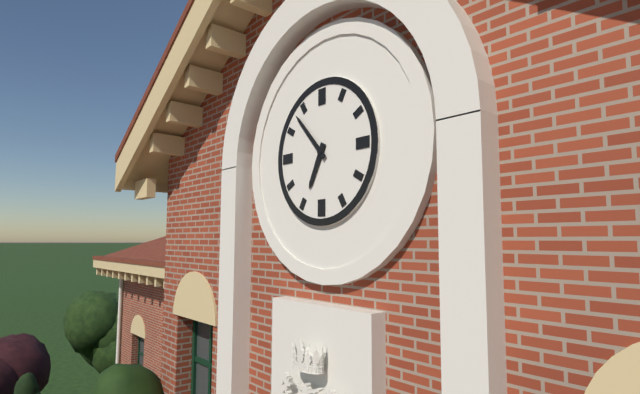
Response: **6:53**
